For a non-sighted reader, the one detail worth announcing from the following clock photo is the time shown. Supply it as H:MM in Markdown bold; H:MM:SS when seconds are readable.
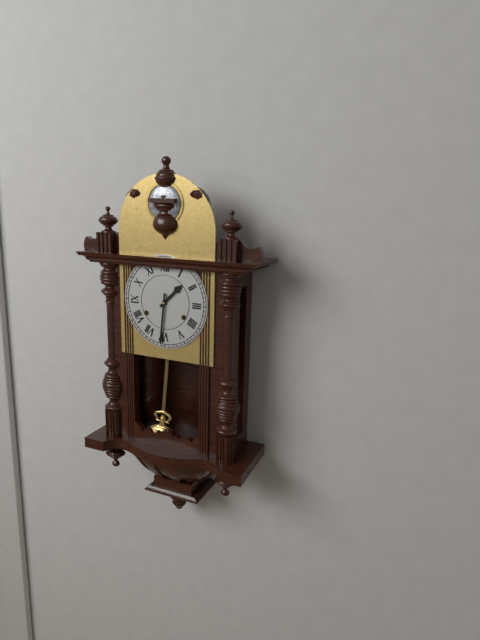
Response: **1:31**
